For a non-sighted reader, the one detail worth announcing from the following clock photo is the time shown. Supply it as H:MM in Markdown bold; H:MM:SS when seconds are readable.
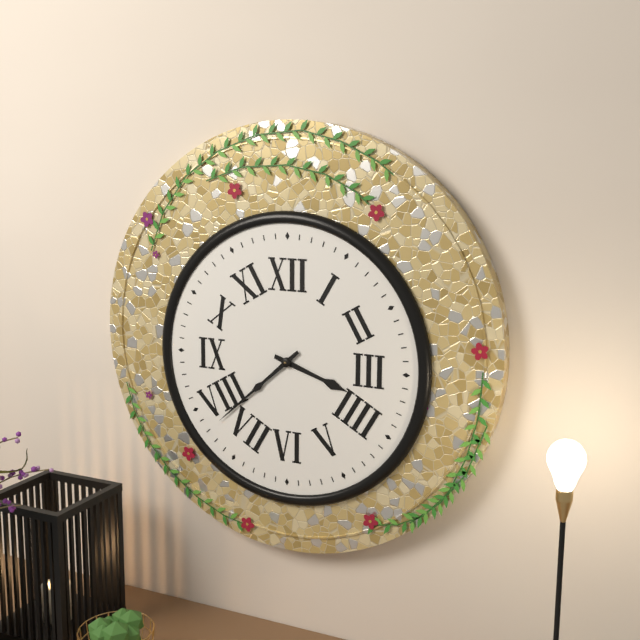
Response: **3:38**
